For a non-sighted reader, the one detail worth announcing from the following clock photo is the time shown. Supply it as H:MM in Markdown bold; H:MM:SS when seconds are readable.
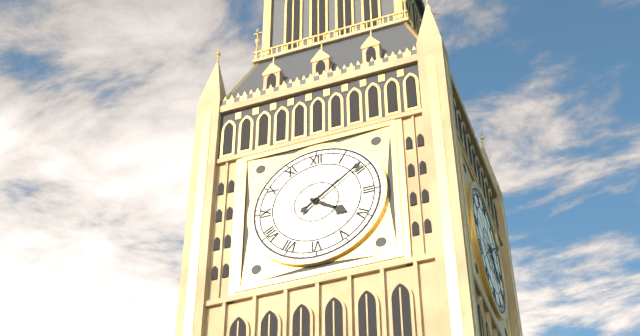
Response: **4:09**
